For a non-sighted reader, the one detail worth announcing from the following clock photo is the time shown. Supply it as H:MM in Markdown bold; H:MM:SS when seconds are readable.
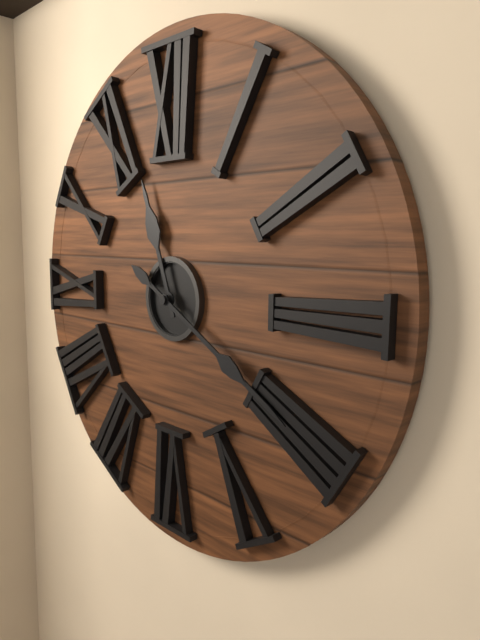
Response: **11:20**
